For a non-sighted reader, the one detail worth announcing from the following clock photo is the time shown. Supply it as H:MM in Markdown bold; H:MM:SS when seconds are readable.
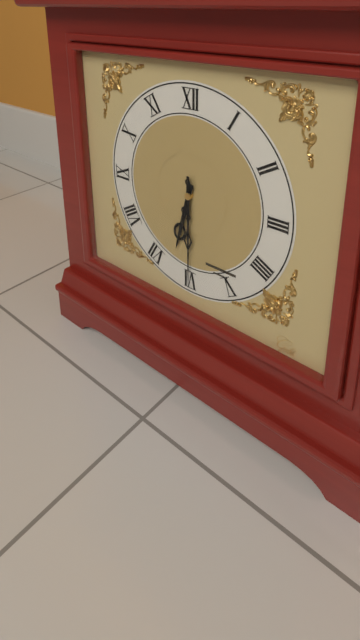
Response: **6:30**
